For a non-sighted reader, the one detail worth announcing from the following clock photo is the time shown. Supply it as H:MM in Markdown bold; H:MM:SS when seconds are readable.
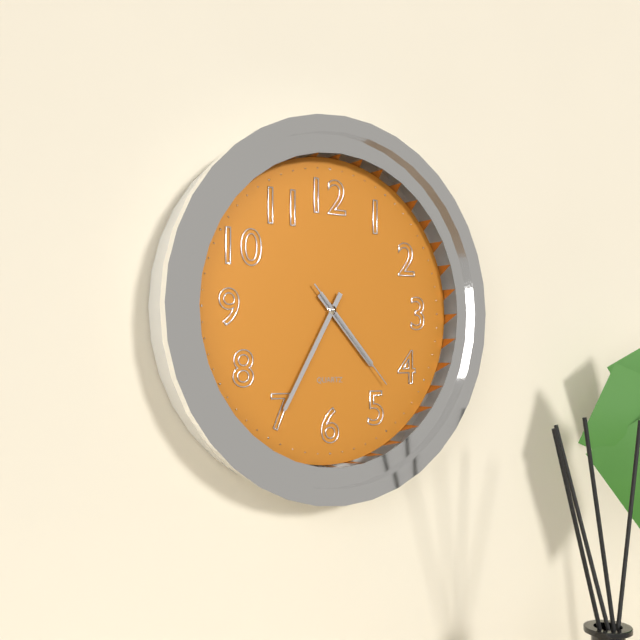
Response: **4:35:23**
